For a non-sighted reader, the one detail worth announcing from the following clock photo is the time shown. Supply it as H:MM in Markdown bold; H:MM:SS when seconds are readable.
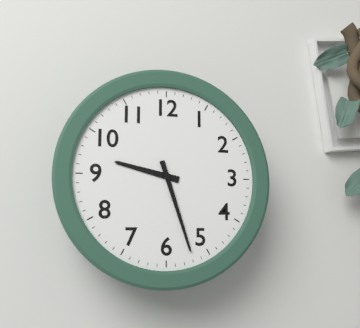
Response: **9:27**
